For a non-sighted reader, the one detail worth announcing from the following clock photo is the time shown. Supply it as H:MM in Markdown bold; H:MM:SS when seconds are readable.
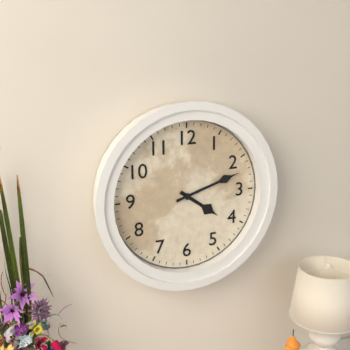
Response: **4:12**
